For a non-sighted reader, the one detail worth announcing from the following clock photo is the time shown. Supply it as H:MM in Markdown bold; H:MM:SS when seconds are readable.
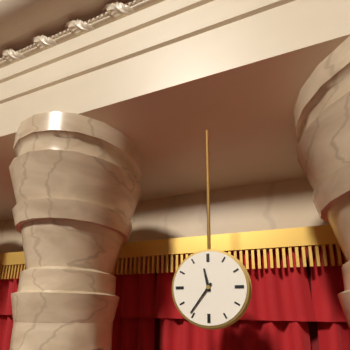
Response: **11:36**
